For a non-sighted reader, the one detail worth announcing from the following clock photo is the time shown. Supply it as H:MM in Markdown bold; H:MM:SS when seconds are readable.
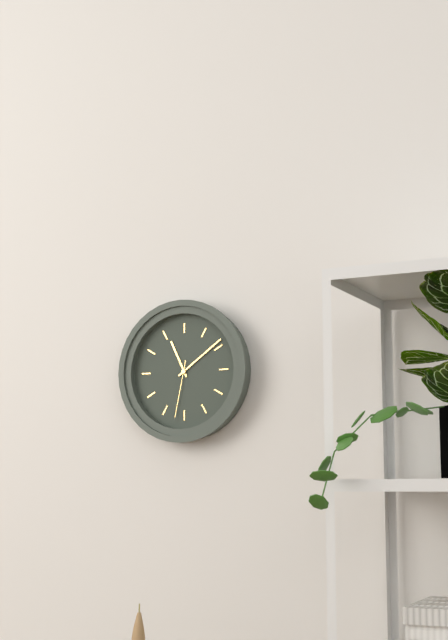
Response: **11:09:32**
